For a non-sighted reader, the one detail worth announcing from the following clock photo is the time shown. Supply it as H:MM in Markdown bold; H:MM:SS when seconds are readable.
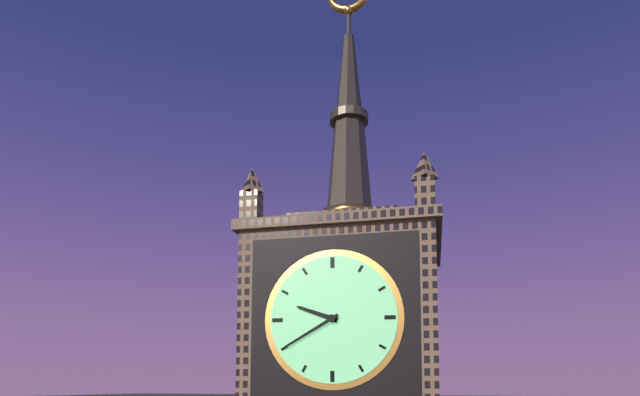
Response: **9:40**
